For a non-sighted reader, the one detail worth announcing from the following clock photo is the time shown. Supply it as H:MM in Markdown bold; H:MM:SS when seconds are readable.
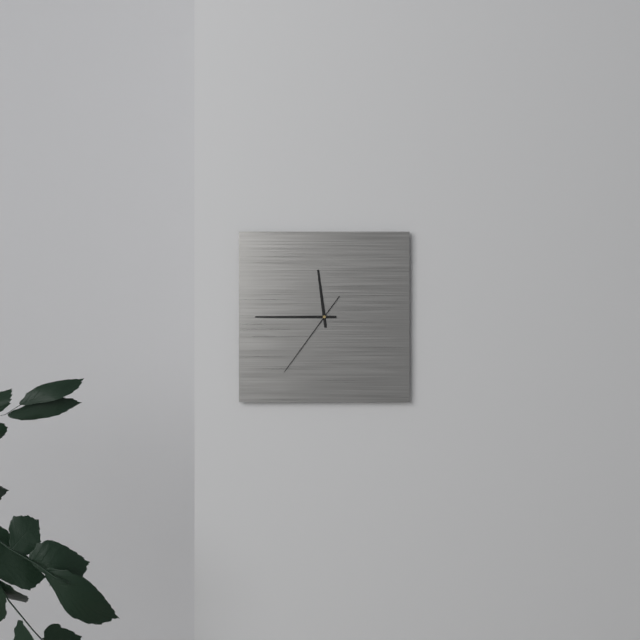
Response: **11:45:36**
